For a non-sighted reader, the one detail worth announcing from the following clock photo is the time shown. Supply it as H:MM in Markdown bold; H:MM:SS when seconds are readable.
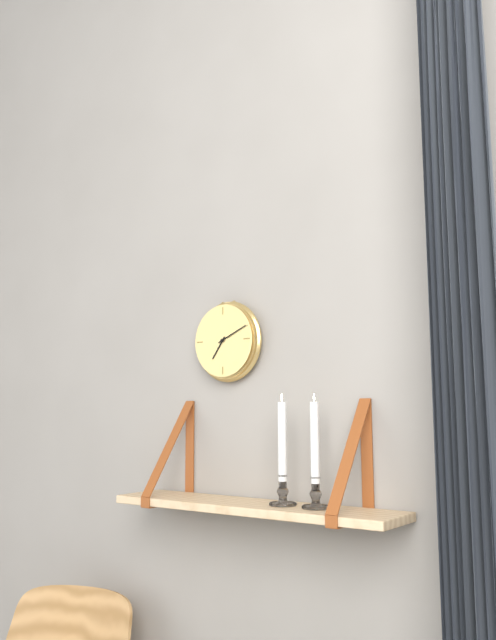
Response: **7:11**
